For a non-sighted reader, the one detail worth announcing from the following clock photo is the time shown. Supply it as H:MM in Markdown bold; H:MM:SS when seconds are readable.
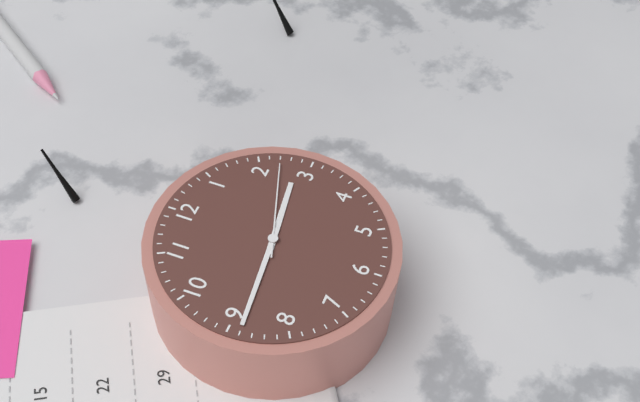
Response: **2:44:12**
